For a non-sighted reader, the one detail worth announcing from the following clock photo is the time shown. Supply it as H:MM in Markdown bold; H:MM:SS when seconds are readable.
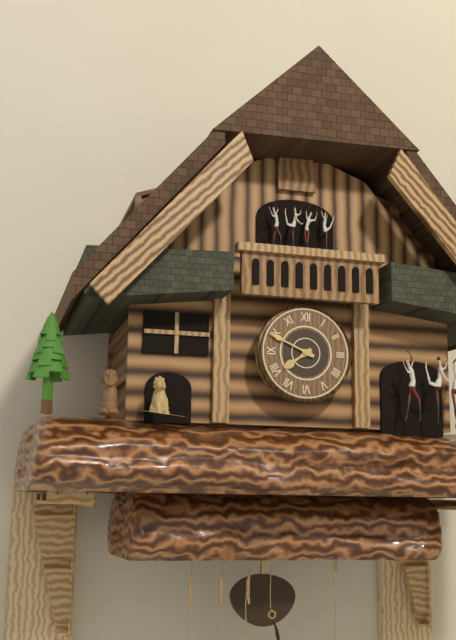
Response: **7:49**
